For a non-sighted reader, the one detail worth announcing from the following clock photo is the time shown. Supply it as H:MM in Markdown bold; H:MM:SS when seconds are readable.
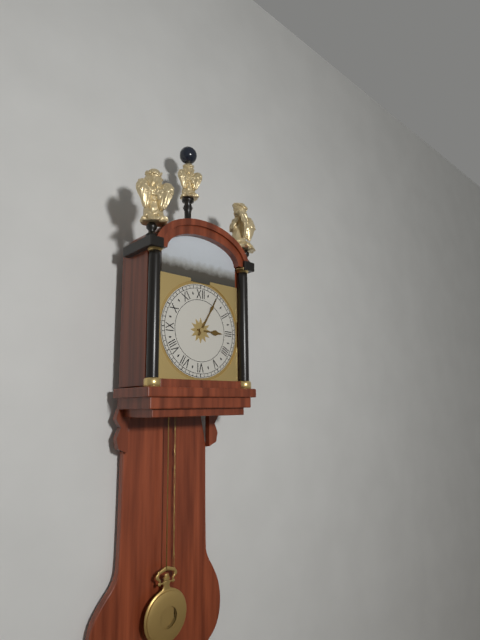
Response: **3:05**
